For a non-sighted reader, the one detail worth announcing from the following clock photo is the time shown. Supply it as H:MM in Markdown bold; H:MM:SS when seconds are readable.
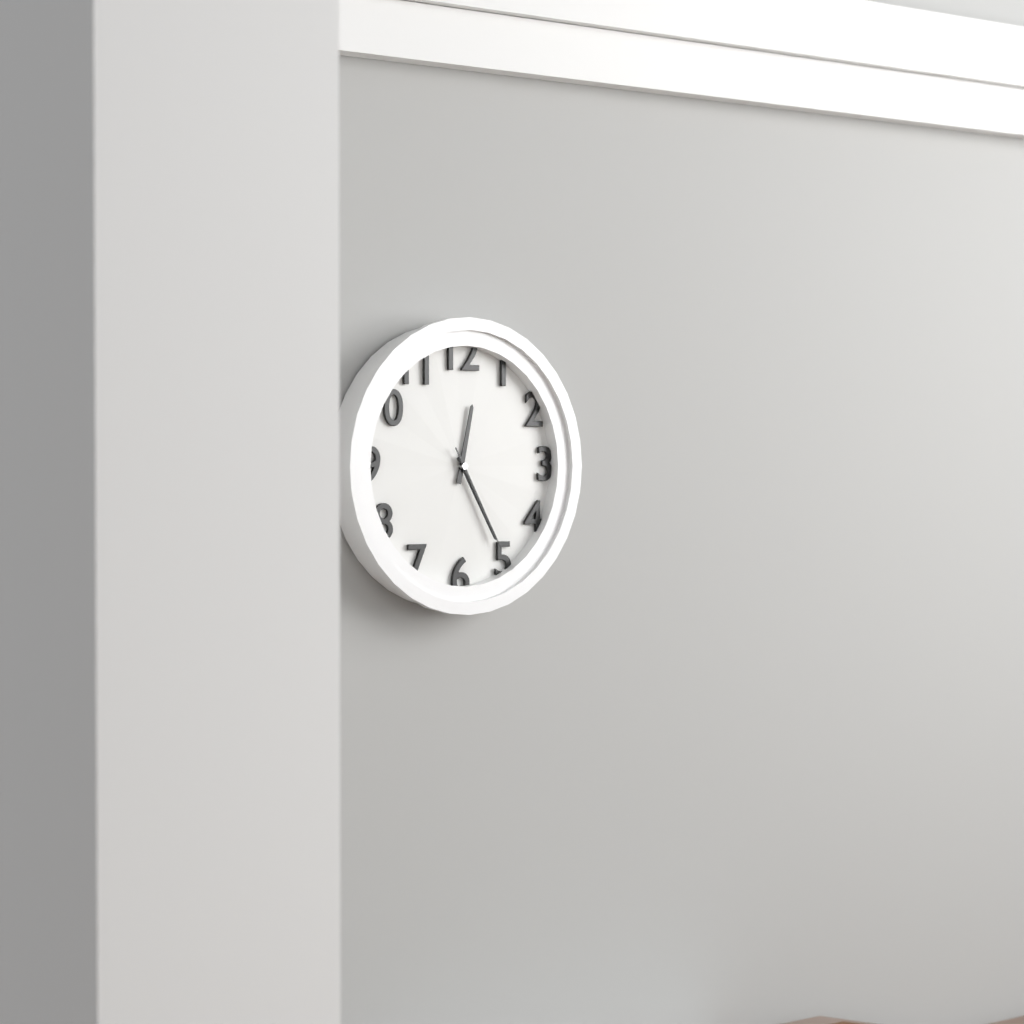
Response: **12:25:25**
